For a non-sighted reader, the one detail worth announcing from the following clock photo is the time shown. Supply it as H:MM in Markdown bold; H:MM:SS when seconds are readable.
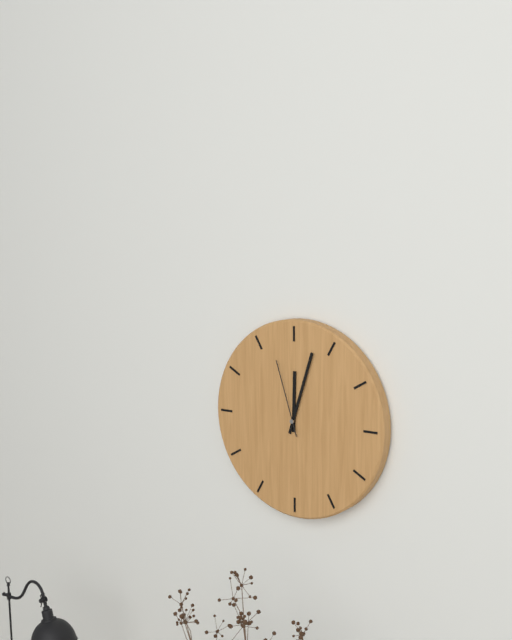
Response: **12:03:57**
